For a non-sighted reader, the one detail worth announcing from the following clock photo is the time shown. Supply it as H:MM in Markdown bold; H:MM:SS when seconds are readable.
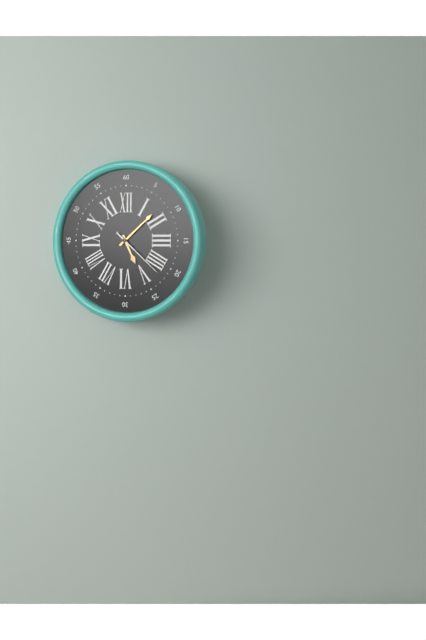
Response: **5:08:22**
